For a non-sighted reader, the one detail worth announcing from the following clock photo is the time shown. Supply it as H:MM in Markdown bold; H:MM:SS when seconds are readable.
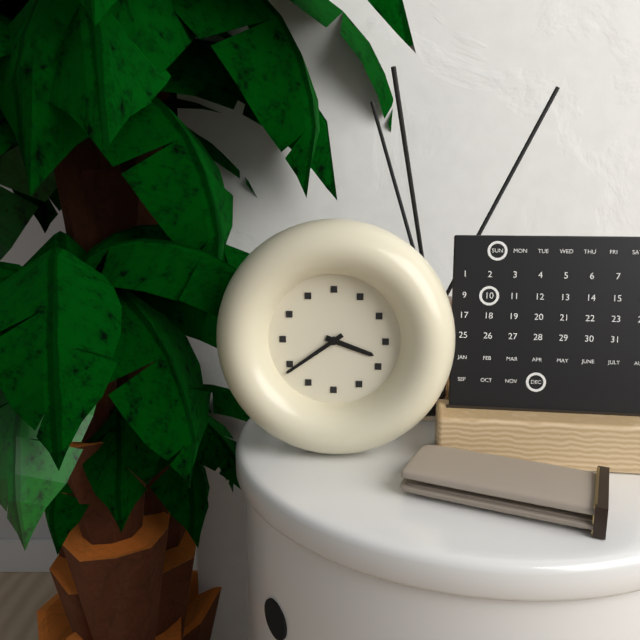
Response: **3:39**
